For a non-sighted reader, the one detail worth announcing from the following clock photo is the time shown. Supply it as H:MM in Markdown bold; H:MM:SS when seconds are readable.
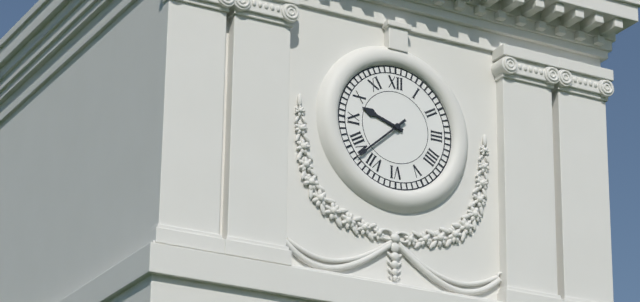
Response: **9:38**
